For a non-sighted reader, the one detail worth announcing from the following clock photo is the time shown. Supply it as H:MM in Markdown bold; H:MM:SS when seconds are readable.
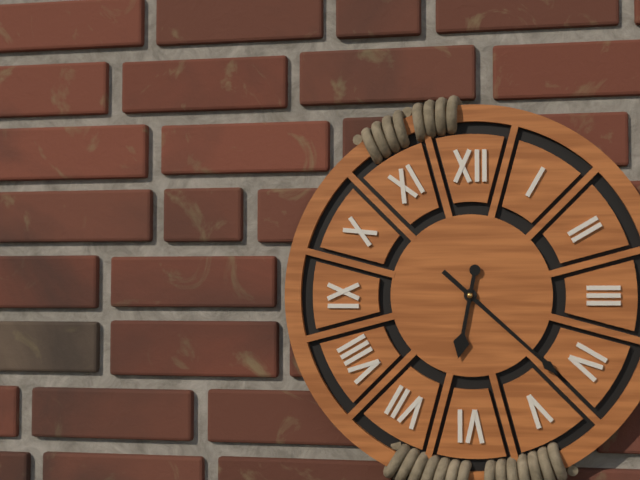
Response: **6:22**
